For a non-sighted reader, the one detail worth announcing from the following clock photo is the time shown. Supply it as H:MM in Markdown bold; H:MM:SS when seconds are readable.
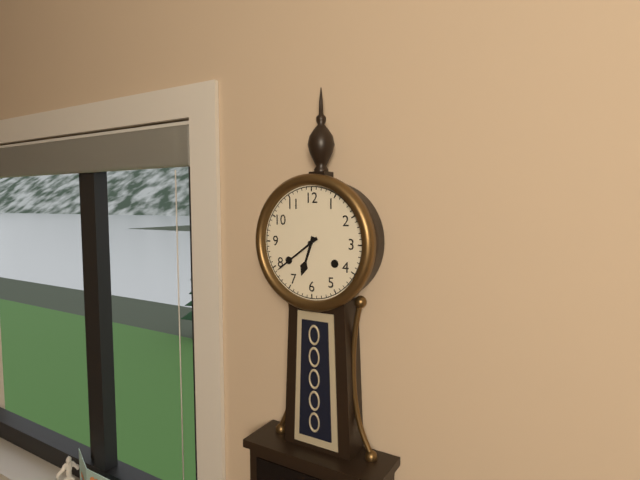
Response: **6:39**
